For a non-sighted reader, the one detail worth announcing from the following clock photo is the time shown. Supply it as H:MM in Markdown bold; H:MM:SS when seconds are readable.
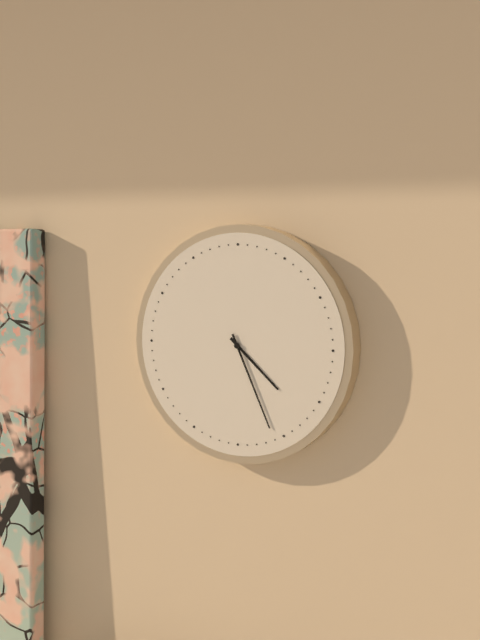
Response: **4:26**
